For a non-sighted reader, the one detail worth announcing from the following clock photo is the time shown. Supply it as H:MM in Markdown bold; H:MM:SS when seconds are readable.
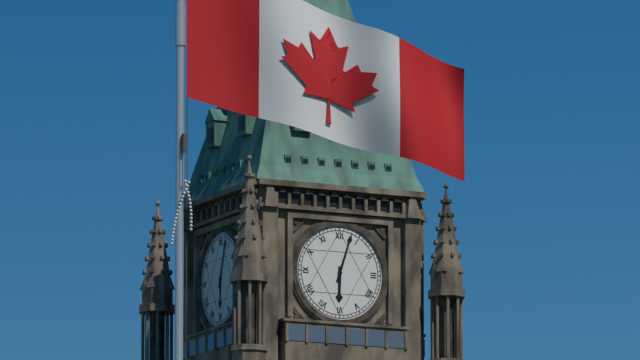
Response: **6:03**
